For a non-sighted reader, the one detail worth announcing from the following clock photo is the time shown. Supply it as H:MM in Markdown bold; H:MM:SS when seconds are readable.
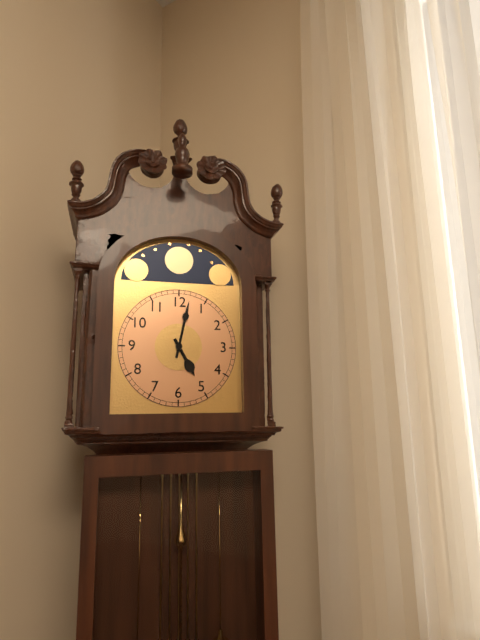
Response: **5:02**
